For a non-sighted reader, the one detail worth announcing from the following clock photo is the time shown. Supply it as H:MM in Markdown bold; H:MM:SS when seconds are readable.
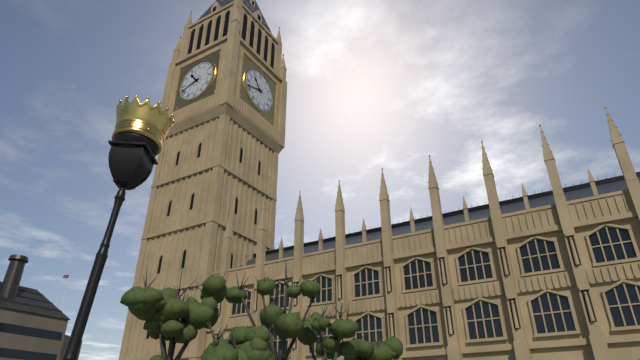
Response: **10:42**
